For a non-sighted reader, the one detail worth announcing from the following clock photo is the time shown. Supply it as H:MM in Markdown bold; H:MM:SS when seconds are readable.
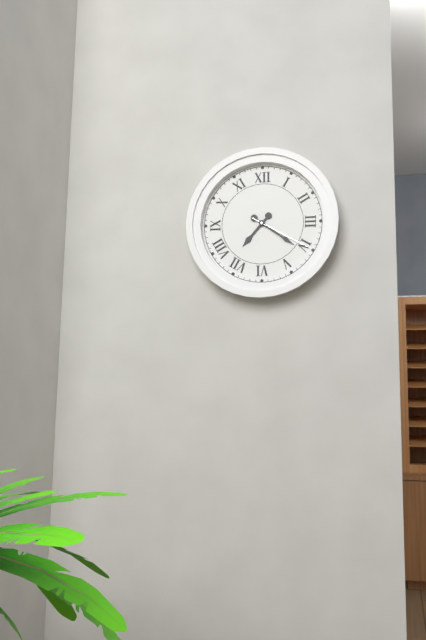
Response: **7:21:20**
